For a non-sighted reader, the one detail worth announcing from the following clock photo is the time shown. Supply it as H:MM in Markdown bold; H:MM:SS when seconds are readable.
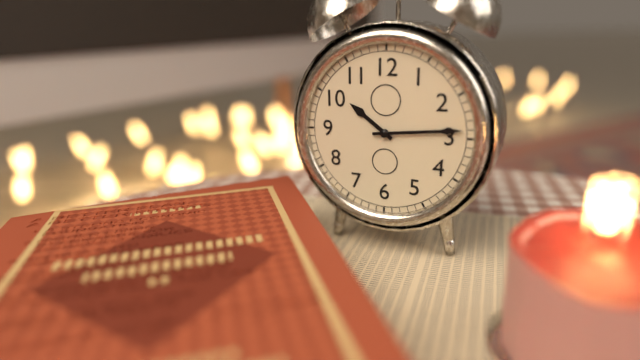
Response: **10:14**
